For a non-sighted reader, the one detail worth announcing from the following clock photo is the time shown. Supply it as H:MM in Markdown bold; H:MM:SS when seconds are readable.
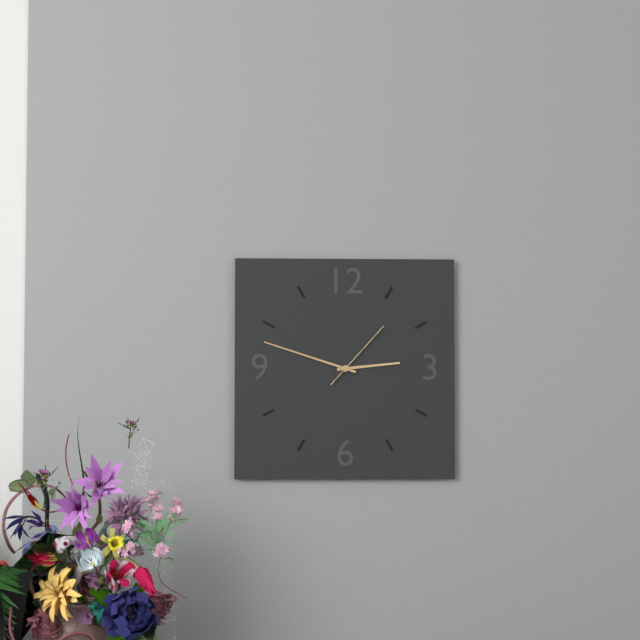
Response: **2:48:07**
